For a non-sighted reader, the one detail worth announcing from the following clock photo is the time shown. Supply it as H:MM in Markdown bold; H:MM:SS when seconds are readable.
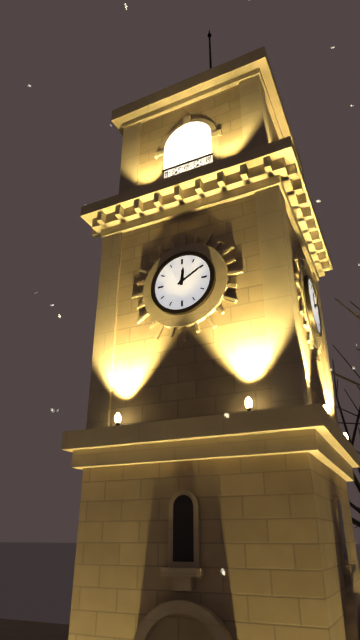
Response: **12:10**
